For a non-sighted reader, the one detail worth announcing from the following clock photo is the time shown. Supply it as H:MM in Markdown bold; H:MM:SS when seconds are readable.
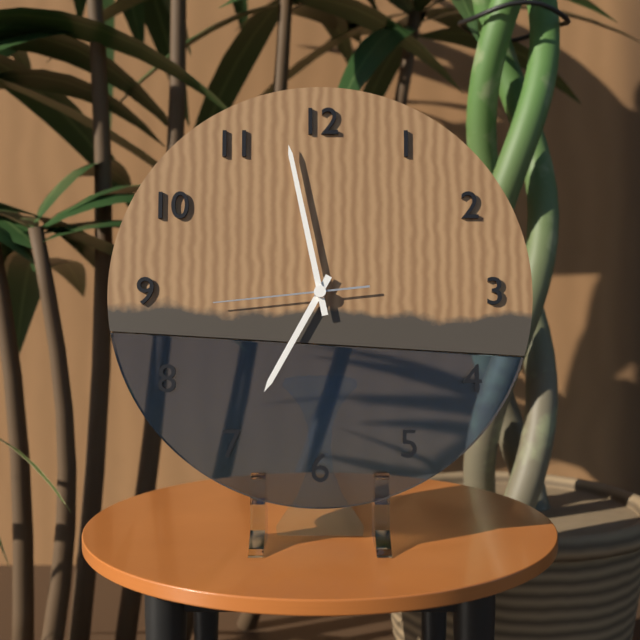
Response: **6:58:44**
